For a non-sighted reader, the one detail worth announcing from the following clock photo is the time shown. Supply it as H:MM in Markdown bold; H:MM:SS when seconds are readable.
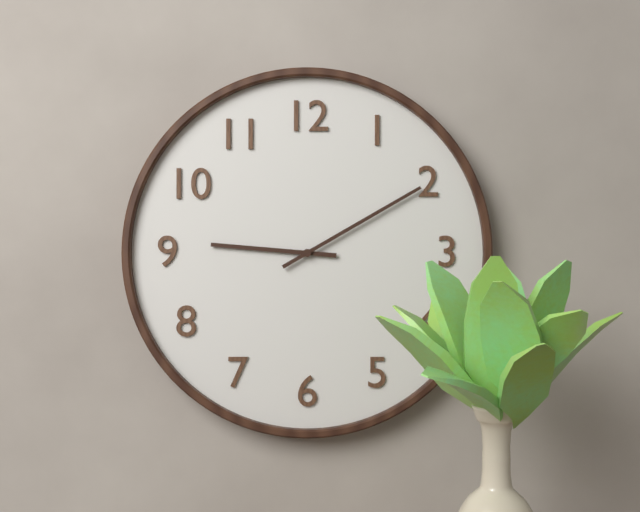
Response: **9:10**
